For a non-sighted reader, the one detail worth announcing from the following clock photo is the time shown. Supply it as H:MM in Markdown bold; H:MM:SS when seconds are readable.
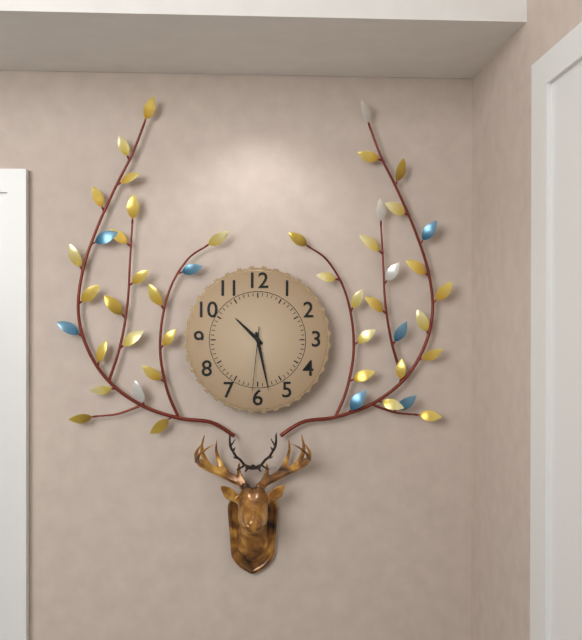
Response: **10:28:31**
